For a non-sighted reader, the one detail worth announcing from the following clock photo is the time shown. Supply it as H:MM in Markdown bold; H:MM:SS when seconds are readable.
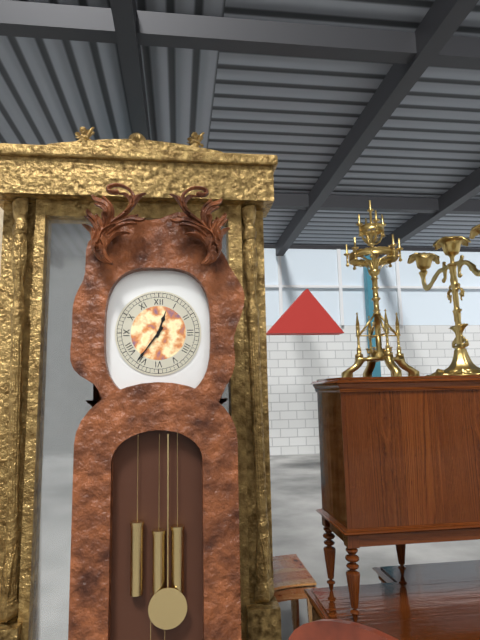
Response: **12:36**
